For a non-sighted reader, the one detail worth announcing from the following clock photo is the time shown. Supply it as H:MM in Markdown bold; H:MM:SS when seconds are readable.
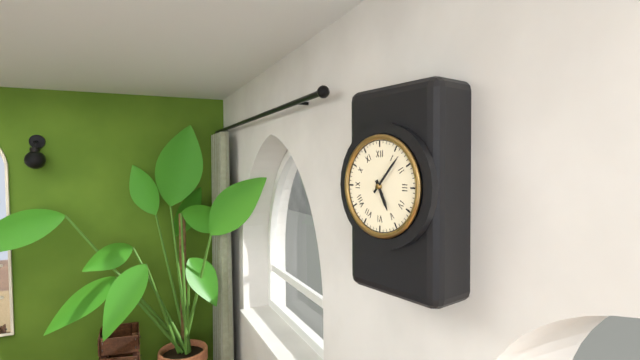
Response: **5:07**
